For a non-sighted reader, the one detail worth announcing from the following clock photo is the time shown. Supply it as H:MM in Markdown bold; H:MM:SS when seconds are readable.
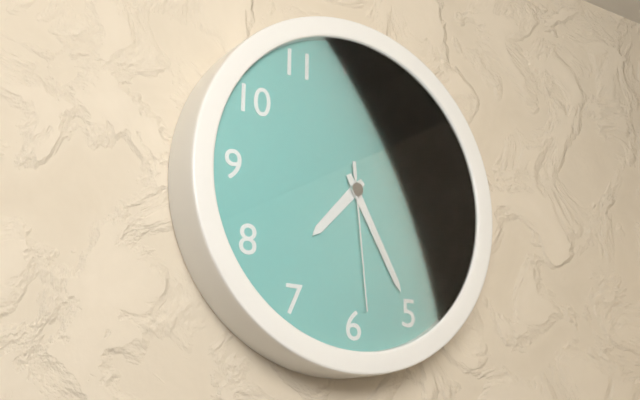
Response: **7:25:29**
